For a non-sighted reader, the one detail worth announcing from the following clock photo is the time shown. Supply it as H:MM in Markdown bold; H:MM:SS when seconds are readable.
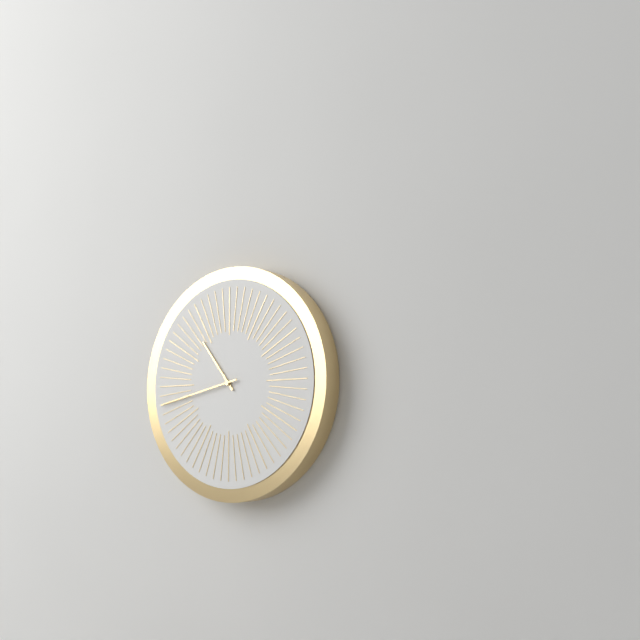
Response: **10:43**
